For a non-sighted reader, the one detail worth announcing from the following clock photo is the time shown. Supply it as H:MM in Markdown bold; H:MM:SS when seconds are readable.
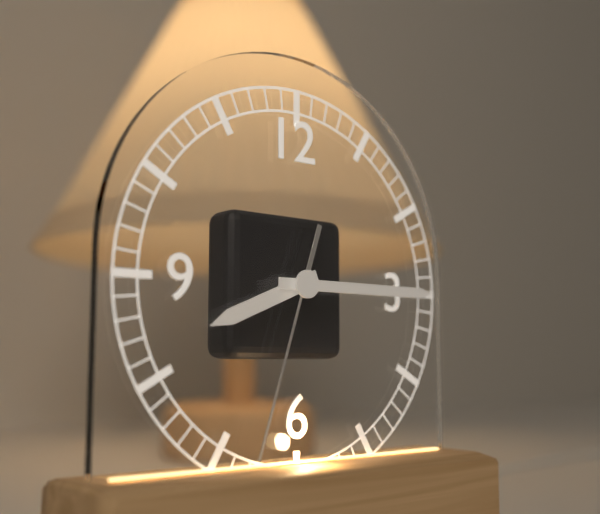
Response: **8:15:33**
